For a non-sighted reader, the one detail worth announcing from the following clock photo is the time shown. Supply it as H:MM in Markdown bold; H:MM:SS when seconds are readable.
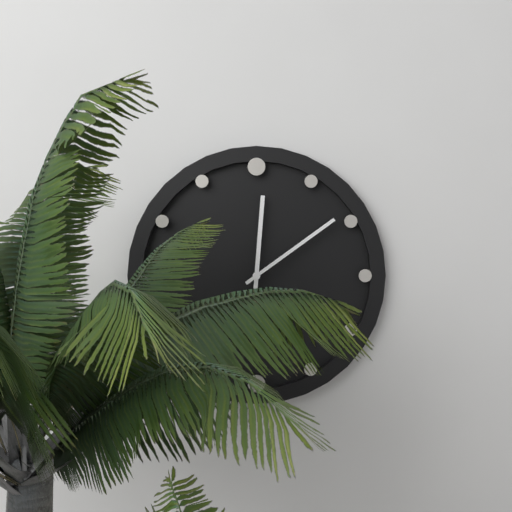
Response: **12:09**
